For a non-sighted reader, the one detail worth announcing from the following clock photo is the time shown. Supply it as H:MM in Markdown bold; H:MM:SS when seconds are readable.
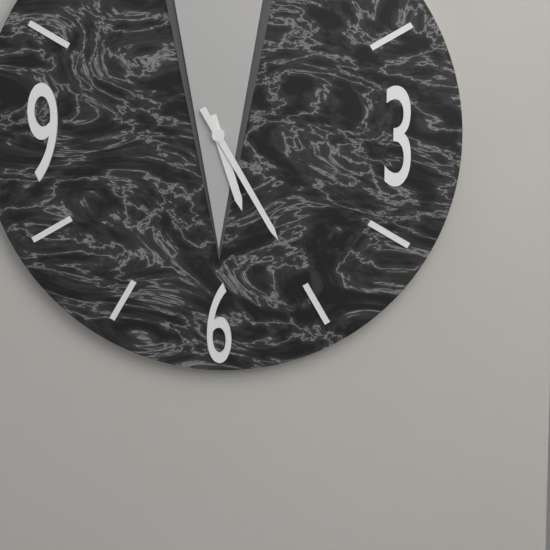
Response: **5:25**
